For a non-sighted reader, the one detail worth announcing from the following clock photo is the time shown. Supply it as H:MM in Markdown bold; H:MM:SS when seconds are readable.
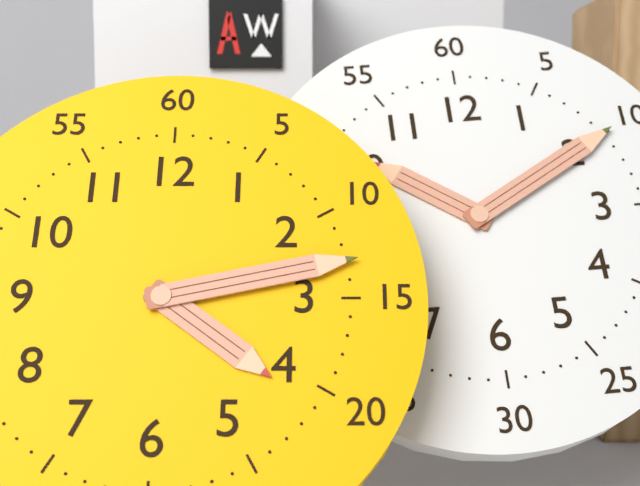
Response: **4:13**
